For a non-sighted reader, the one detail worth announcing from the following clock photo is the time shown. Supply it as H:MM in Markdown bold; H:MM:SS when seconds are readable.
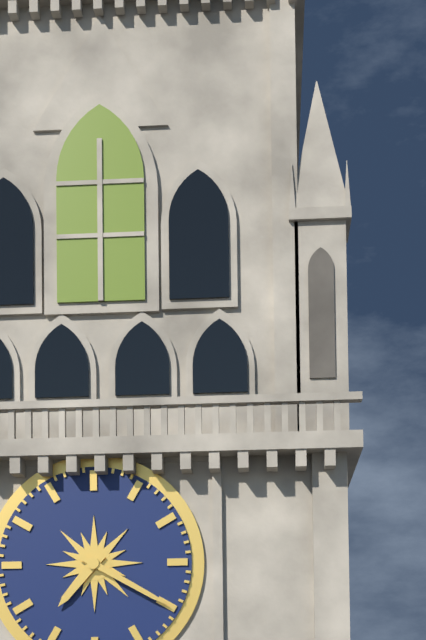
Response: **7:20**
